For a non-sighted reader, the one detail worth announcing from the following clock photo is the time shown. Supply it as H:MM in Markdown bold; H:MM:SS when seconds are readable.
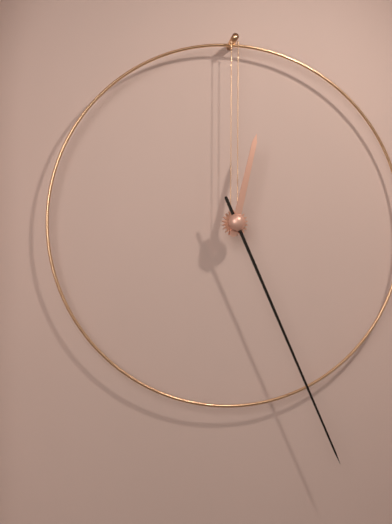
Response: **12:26**
